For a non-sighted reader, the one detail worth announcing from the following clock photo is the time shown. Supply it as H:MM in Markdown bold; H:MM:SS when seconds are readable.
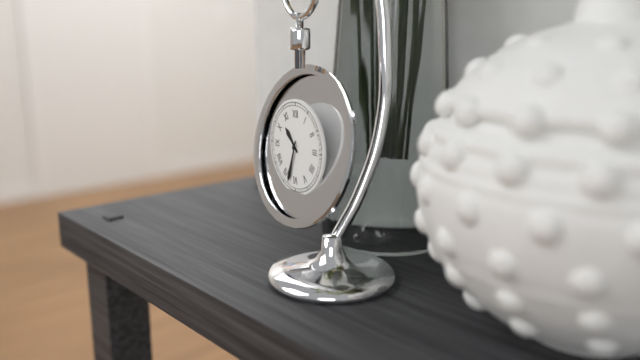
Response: **10:33**
